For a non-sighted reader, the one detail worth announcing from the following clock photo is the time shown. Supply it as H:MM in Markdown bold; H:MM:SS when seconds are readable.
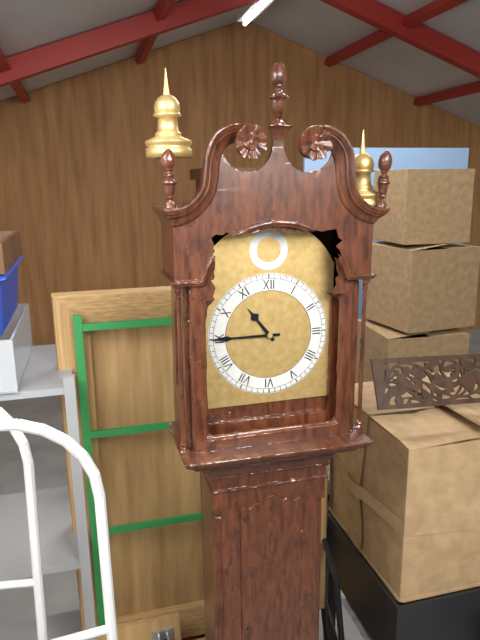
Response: **10:45**
